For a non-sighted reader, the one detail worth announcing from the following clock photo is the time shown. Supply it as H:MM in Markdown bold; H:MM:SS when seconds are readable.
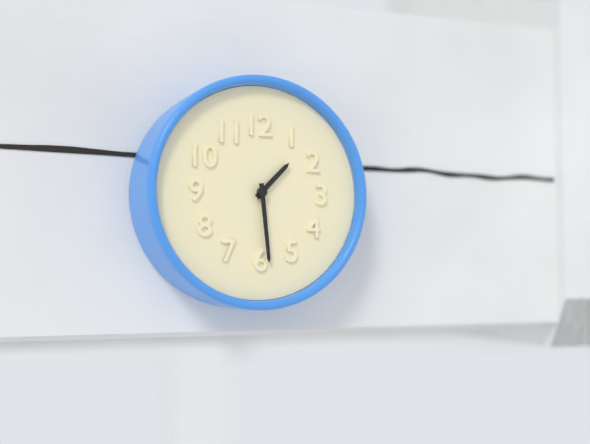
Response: **1:29**
